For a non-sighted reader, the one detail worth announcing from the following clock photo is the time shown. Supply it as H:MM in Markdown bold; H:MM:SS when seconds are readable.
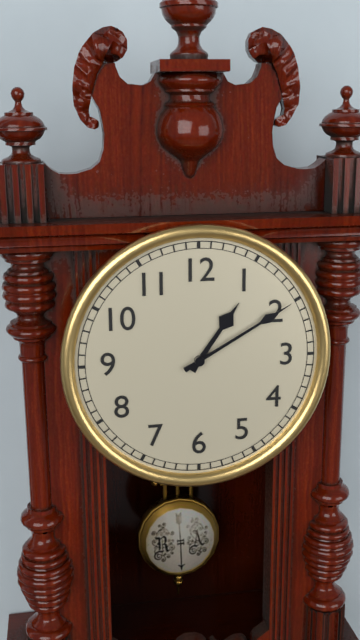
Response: **1:10**
